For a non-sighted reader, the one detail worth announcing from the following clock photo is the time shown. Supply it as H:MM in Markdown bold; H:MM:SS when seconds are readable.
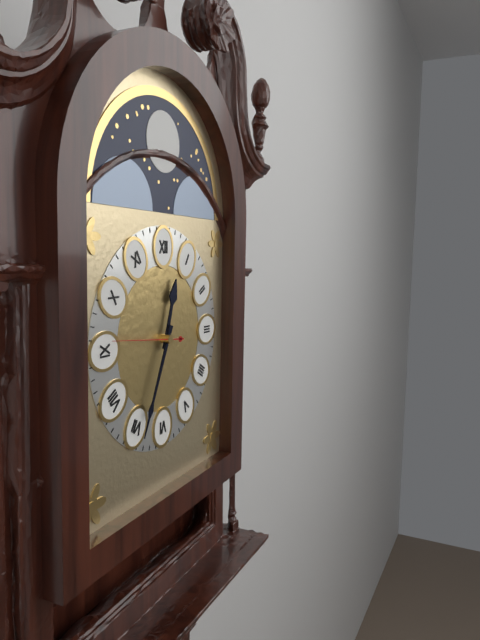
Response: **12:34:46**
